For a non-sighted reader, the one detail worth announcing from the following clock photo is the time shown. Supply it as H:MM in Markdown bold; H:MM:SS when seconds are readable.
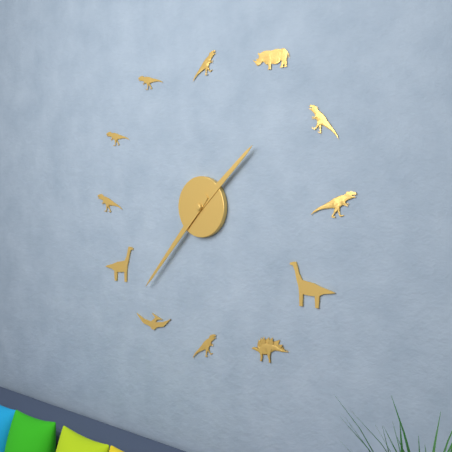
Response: **1:37**
